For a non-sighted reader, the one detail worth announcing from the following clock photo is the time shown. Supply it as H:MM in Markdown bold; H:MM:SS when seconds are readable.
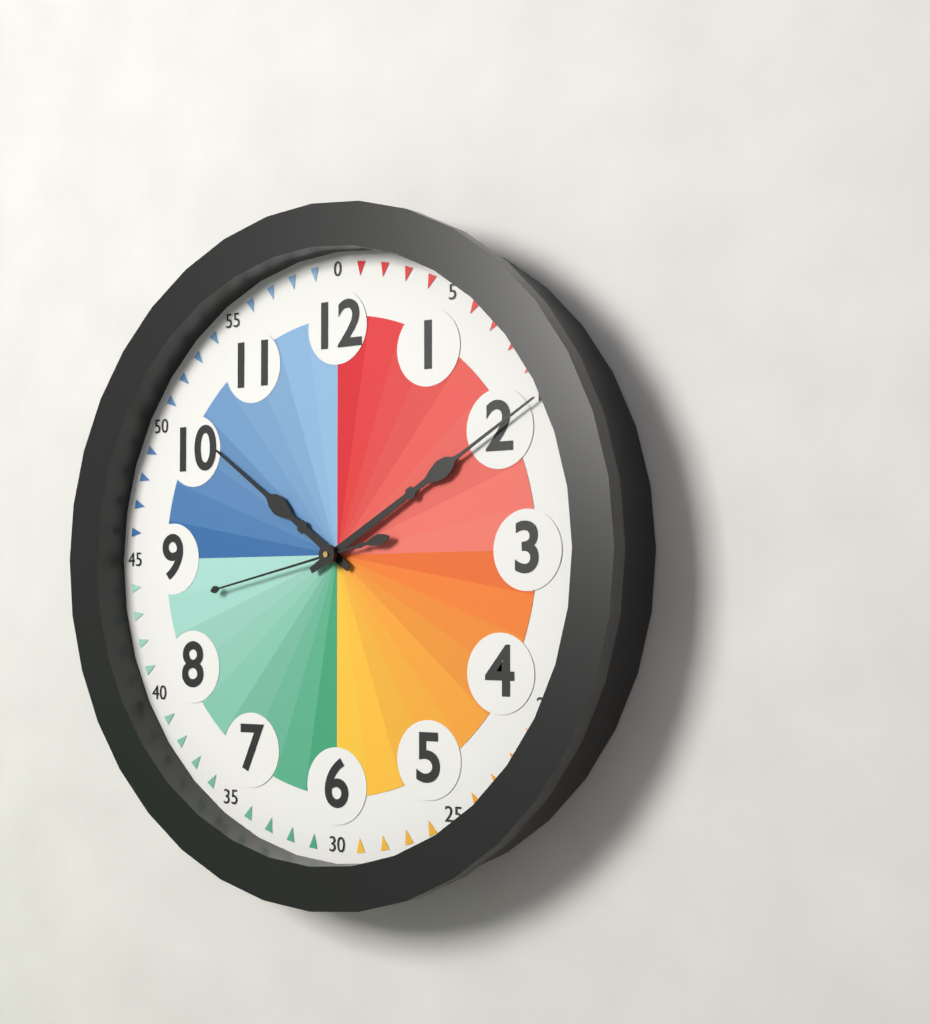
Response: **10:10:43**
